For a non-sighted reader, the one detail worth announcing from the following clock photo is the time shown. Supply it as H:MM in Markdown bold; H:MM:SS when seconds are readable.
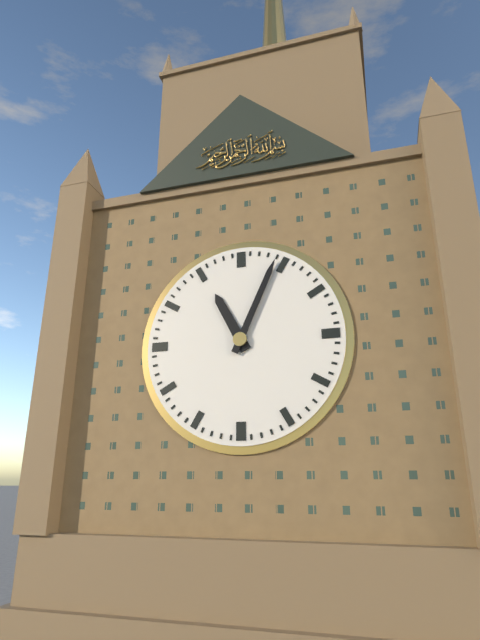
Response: **11:04**
